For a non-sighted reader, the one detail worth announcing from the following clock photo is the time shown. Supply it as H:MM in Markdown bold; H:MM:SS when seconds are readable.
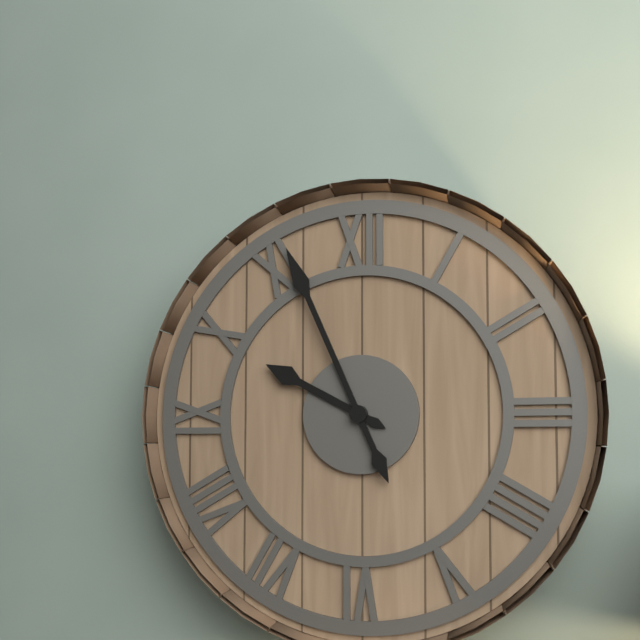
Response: **9:56**
